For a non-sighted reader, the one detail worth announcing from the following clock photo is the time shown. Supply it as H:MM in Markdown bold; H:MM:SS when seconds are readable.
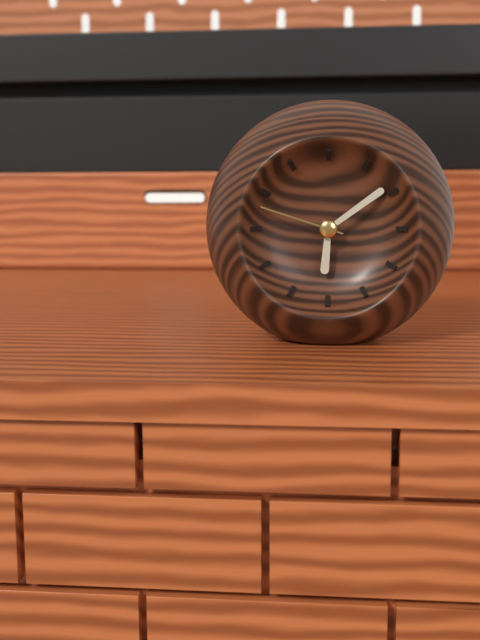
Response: **6:09:48**
